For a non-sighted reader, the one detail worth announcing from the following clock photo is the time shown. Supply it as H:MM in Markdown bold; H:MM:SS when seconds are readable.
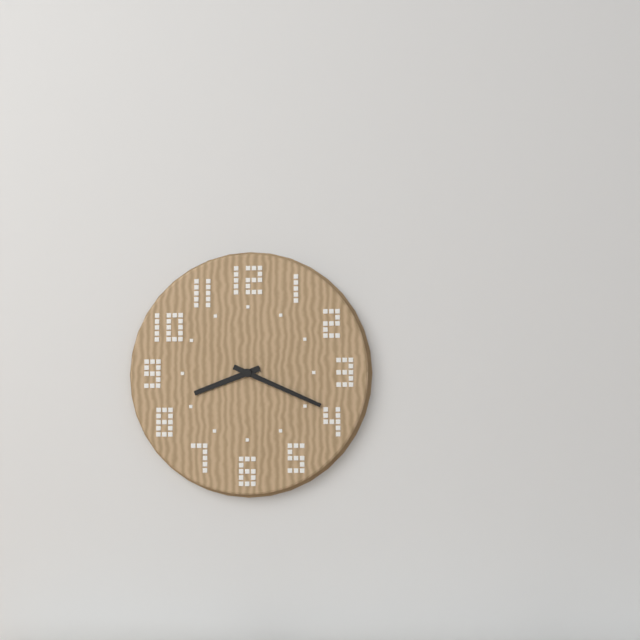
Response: **8:19**
